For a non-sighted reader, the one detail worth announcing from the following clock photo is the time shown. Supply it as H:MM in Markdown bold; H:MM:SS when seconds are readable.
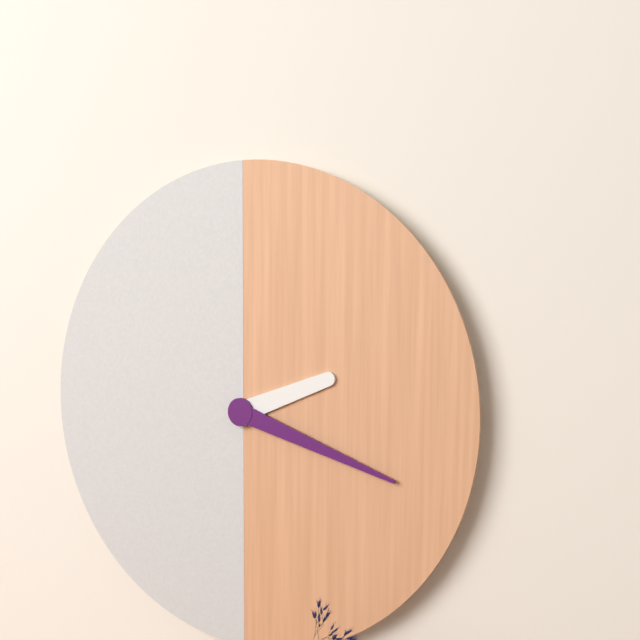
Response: **2:18**
